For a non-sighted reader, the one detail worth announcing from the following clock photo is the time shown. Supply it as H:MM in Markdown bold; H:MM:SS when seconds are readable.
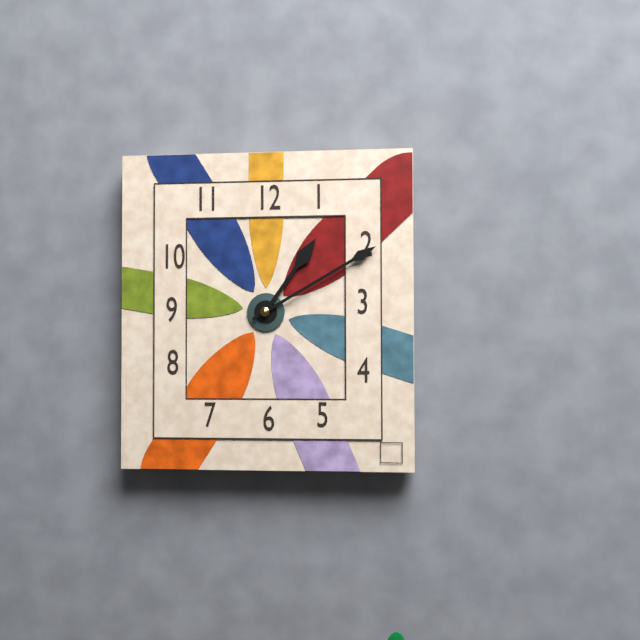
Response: **1:10**
